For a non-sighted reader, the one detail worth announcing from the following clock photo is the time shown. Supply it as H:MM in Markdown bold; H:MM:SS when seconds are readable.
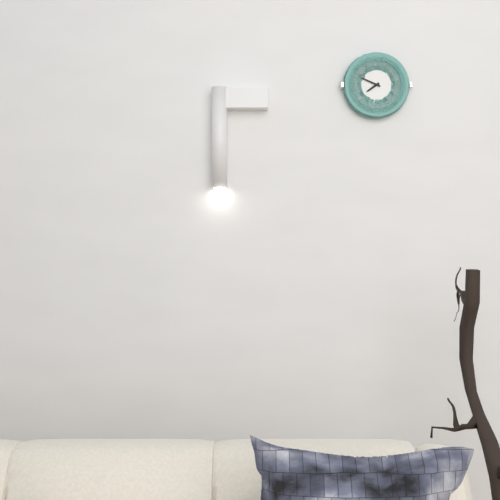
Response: **7:49**
